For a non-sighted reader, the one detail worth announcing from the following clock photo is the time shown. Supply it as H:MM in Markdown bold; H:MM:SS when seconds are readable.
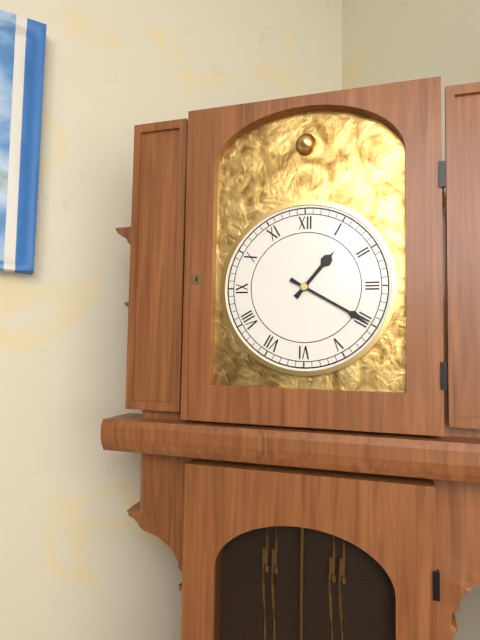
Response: **1:20**
